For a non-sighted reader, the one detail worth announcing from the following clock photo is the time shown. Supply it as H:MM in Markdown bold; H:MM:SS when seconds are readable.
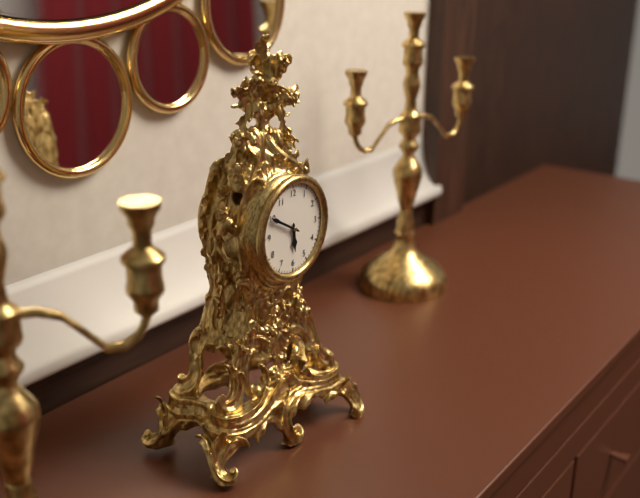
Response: **5:50**
